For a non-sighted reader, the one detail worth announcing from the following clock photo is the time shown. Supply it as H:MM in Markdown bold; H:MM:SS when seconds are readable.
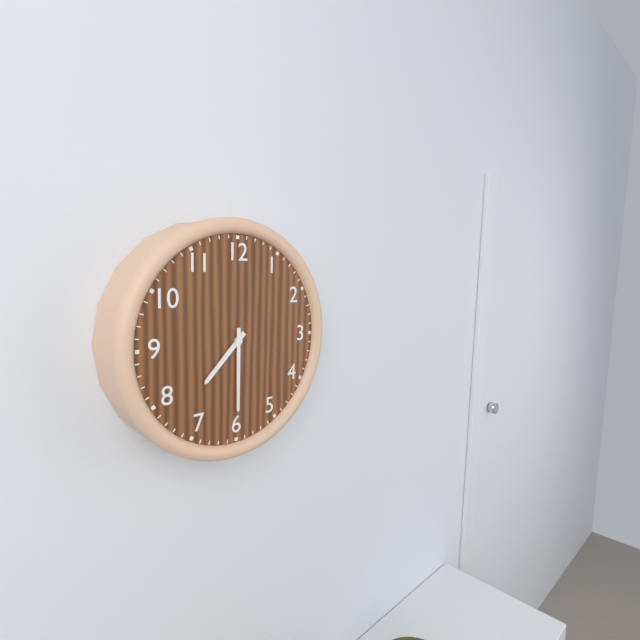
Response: **7:30**
